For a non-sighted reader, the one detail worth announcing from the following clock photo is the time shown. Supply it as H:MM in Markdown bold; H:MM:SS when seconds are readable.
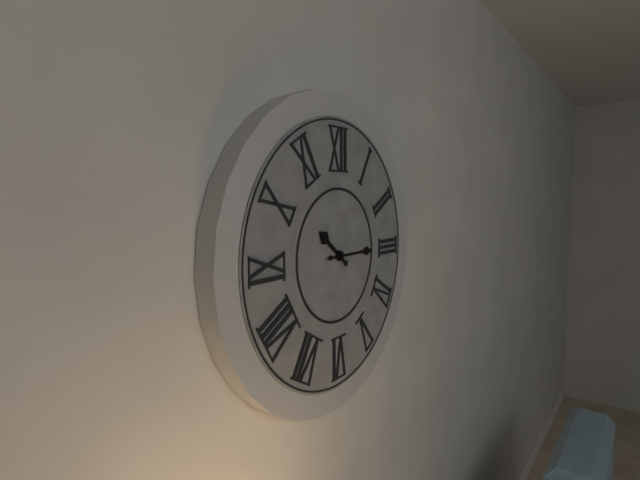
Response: **10:15**
